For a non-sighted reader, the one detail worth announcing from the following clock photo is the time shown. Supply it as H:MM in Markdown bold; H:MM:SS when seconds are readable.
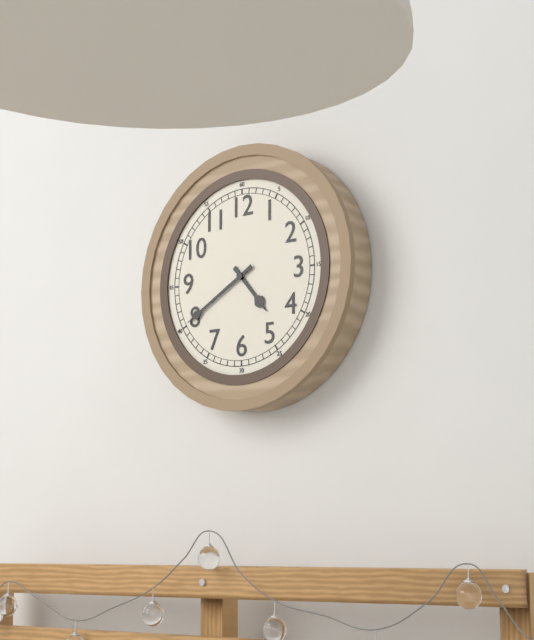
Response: **4:40**
